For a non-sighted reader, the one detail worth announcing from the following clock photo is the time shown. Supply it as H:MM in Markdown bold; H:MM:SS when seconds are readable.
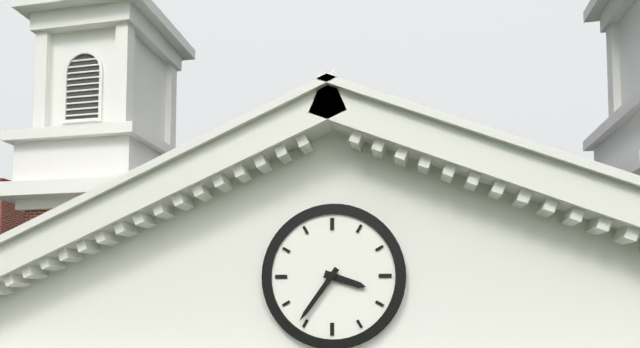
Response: **3:36**
